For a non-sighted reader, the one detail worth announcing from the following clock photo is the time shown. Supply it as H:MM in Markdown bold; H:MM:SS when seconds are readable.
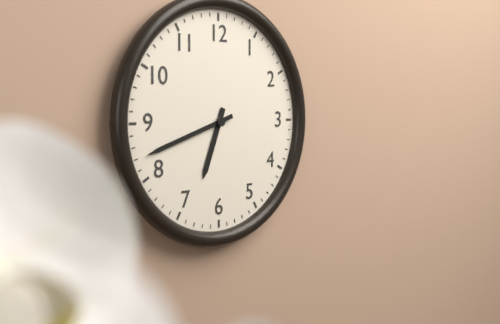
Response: **6:42**
